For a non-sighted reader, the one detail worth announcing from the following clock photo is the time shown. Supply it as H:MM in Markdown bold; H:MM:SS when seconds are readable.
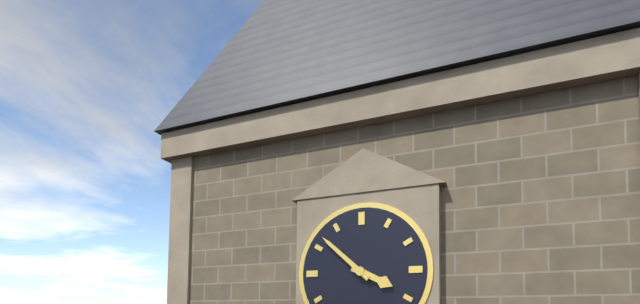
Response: **3:52**
